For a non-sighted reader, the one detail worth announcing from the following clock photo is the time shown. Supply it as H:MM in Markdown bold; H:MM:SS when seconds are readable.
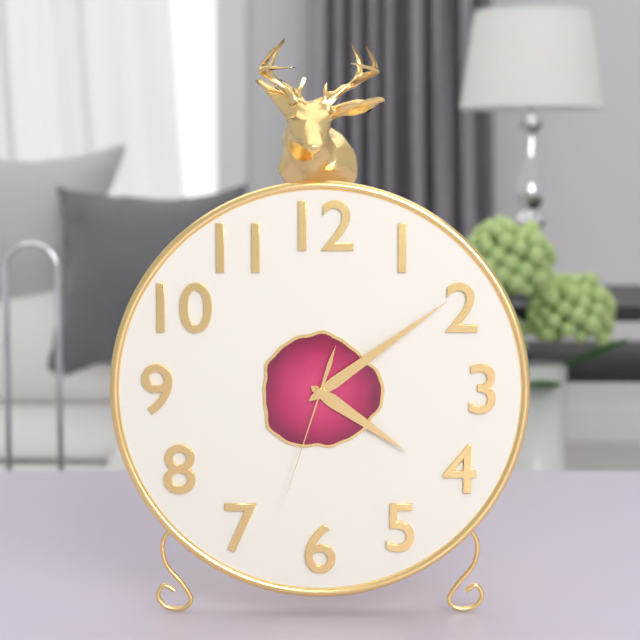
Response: **4:09:33**
